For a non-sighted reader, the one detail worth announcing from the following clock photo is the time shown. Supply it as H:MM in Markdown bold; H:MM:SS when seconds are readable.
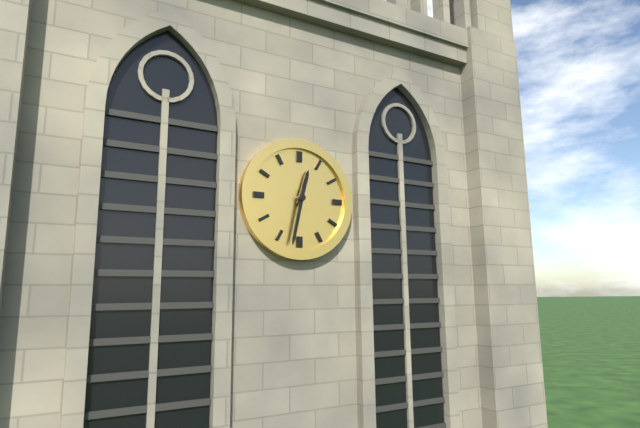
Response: **12:32**
